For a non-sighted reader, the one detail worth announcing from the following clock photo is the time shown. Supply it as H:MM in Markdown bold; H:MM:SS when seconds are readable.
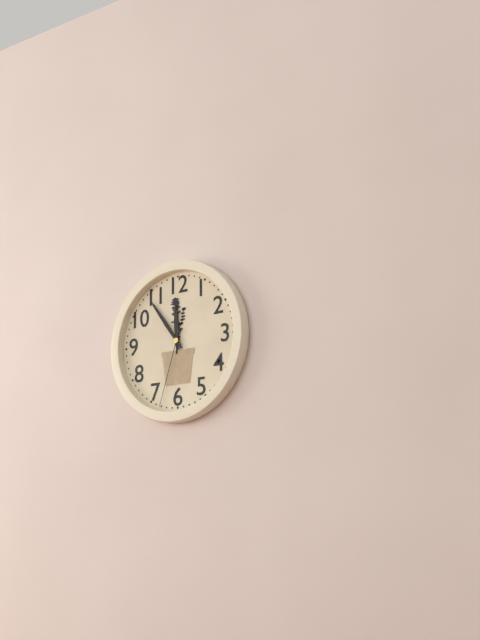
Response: **11:54:33**
